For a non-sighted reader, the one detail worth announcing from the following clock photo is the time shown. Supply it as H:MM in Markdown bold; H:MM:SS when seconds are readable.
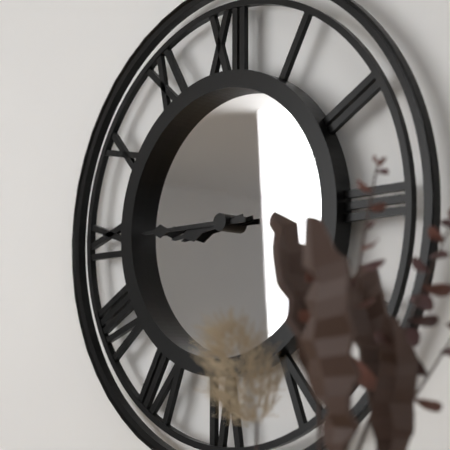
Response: **8:45**
